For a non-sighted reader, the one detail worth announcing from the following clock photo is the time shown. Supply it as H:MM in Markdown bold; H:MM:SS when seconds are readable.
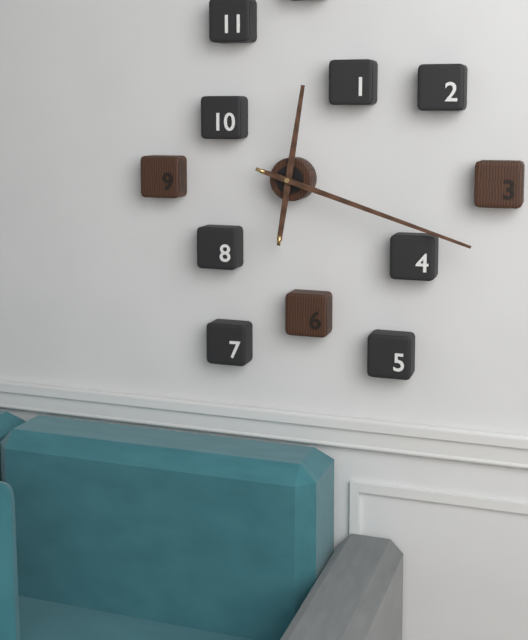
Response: **12:18**
